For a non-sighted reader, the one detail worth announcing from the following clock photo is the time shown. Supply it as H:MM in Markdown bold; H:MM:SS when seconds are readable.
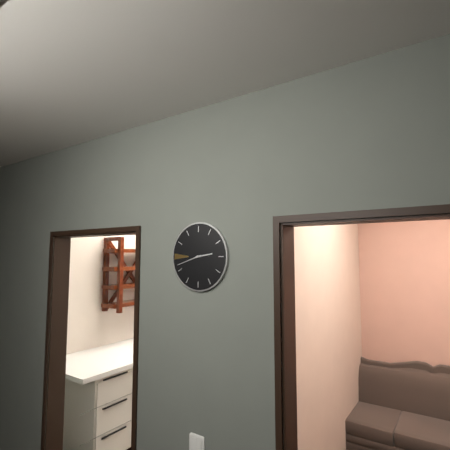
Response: **2:42**
